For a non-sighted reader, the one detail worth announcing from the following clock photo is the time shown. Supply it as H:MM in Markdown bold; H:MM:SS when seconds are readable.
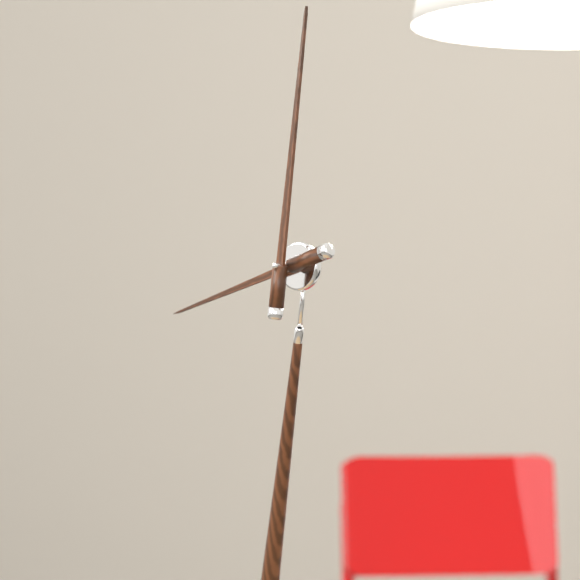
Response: **7:59**
